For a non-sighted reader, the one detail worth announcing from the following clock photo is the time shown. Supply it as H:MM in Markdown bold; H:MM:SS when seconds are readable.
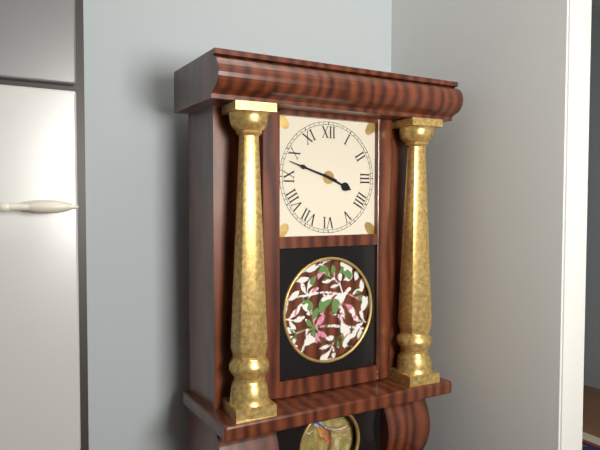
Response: **3:48**
